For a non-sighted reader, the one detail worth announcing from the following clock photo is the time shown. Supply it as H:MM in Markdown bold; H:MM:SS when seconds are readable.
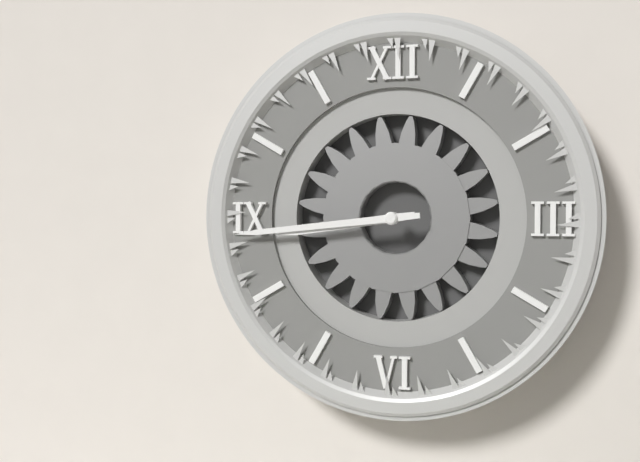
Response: **8:44**
